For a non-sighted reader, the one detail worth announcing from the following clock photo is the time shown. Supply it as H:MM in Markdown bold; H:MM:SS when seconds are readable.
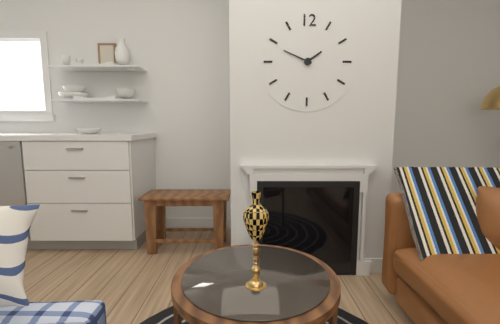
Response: **1:49**
